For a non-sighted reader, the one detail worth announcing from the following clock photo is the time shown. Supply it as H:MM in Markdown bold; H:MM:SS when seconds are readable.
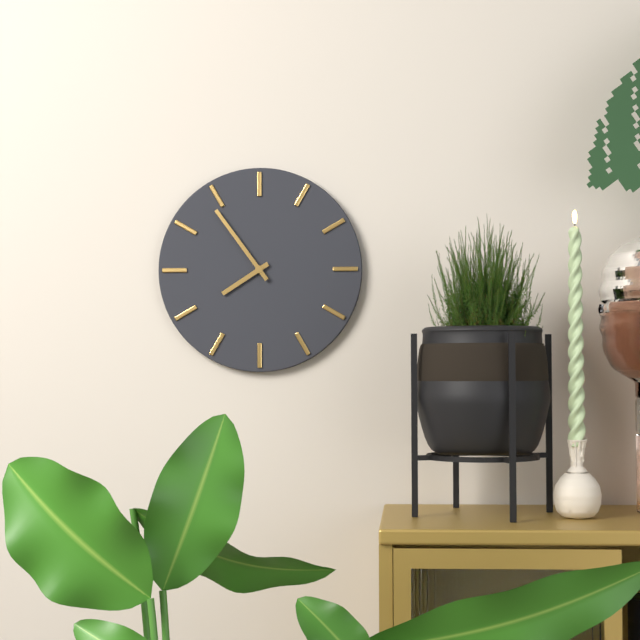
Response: **7:54**
